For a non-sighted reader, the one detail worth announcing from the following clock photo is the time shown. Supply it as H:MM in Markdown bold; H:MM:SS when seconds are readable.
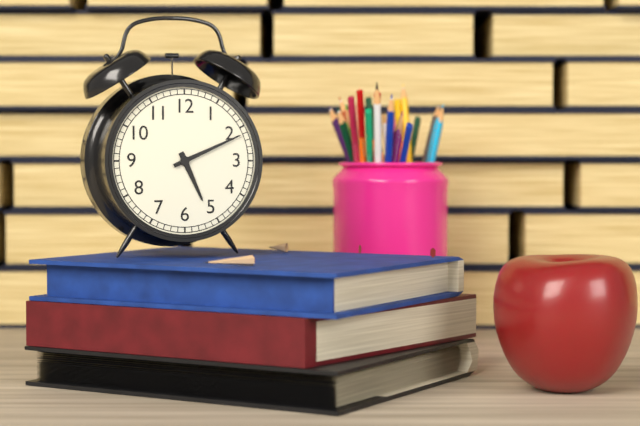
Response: **5:11**
